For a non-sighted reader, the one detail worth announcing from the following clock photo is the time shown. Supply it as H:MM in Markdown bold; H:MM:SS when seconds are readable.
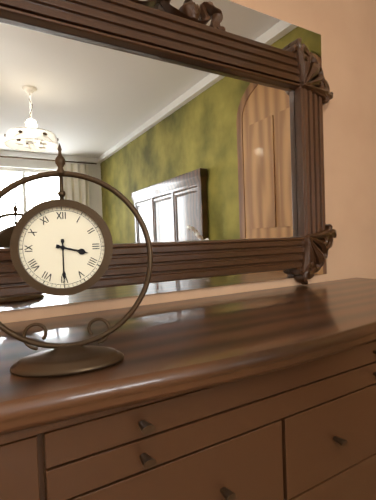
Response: **3:30**
